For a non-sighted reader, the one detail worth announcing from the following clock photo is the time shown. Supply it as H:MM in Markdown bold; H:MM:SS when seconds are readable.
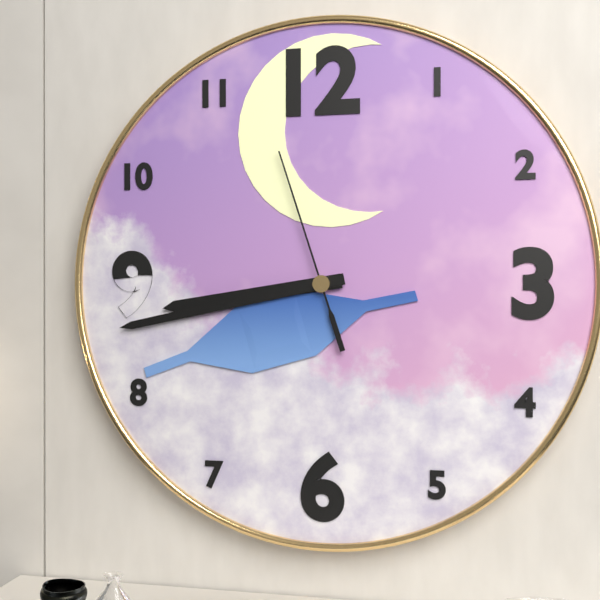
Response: **8:43:57**
